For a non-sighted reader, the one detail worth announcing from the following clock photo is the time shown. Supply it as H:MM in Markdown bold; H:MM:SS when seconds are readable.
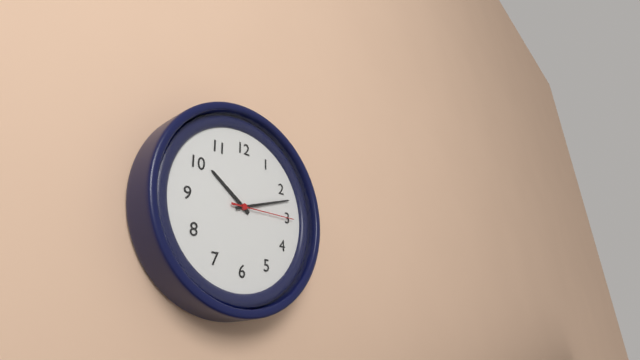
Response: **10:12:15**
